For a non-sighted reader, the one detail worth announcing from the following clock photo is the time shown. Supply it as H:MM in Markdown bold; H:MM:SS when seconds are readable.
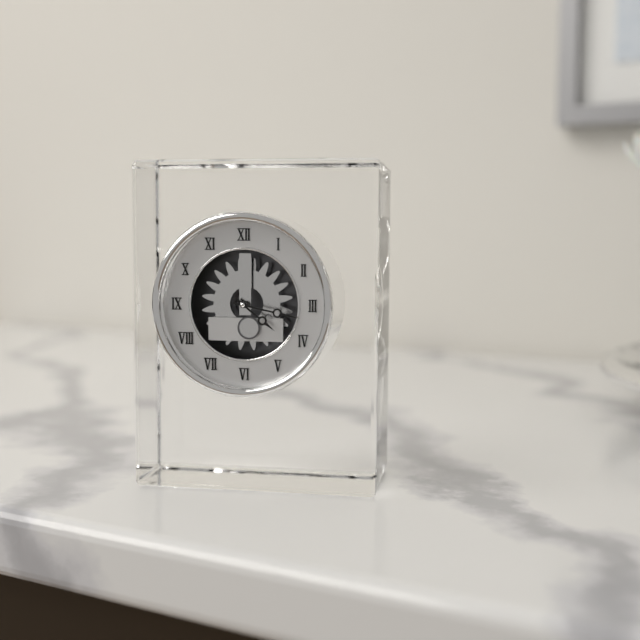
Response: **4:17**
